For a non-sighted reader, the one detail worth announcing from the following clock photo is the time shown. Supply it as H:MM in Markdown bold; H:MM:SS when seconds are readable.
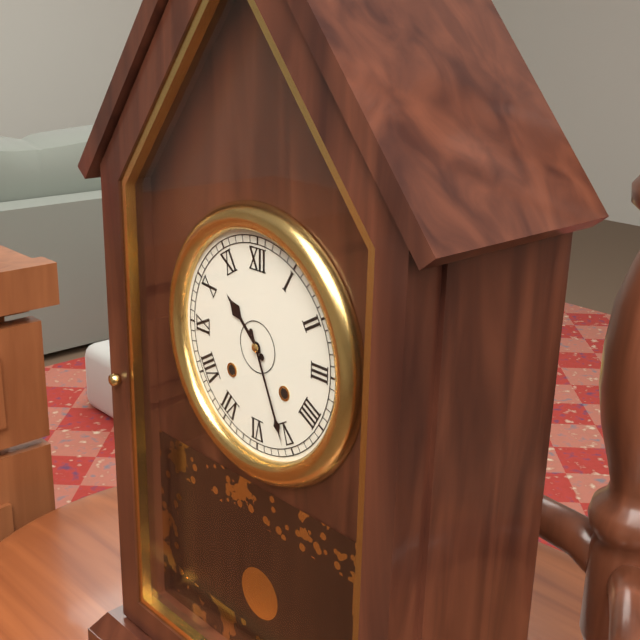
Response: **10:26**
